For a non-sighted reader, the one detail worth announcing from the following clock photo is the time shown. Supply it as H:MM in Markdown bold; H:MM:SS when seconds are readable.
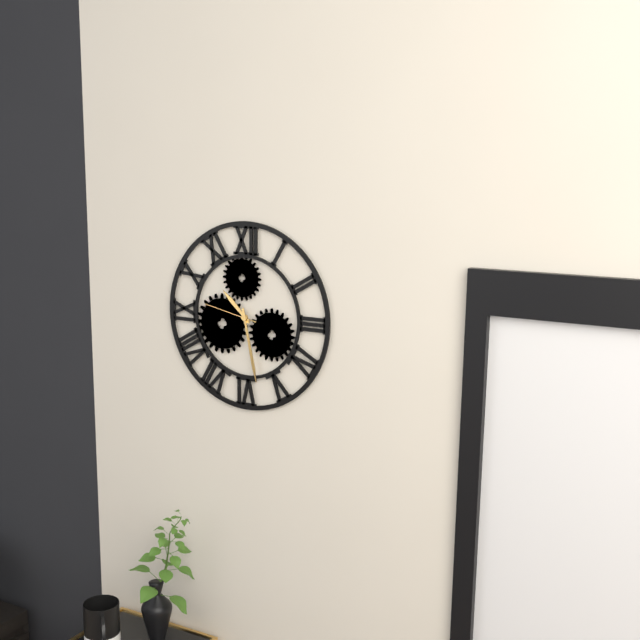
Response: **10:28:47**
